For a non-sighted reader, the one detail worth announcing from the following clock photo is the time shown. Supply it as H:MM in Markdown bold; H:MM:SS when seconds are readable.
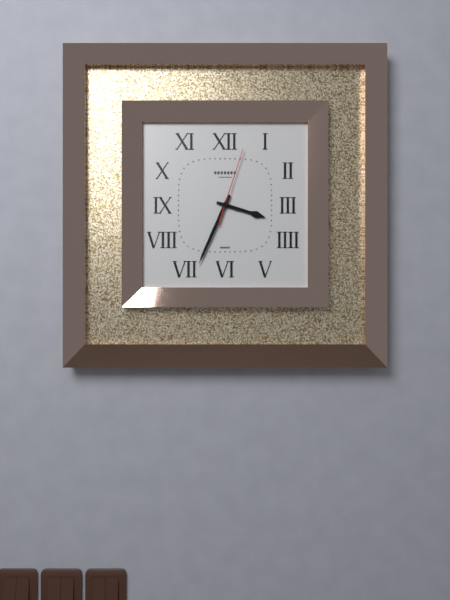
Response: **3:34:03**
